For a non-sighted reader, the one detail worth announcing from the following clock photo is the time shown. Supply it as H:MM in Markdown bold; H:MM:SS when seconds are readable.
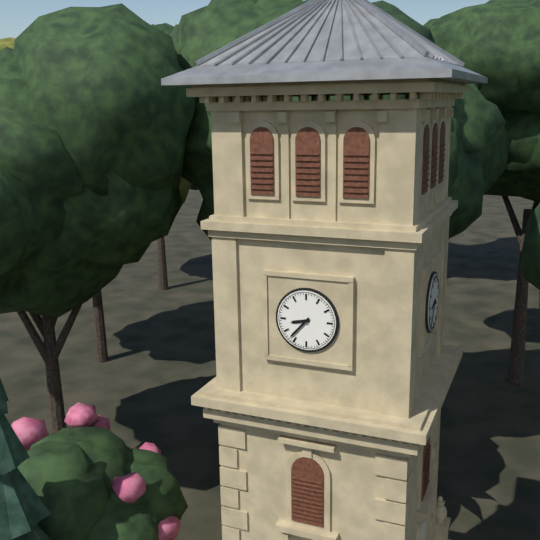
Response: **8:37**
